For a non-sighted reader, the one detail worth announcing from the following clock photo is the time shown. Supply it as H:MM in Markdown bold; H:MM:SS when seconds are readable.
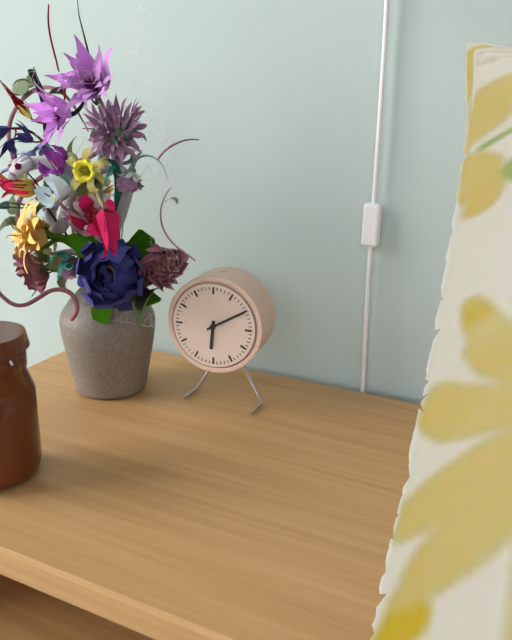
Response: **6:10**
